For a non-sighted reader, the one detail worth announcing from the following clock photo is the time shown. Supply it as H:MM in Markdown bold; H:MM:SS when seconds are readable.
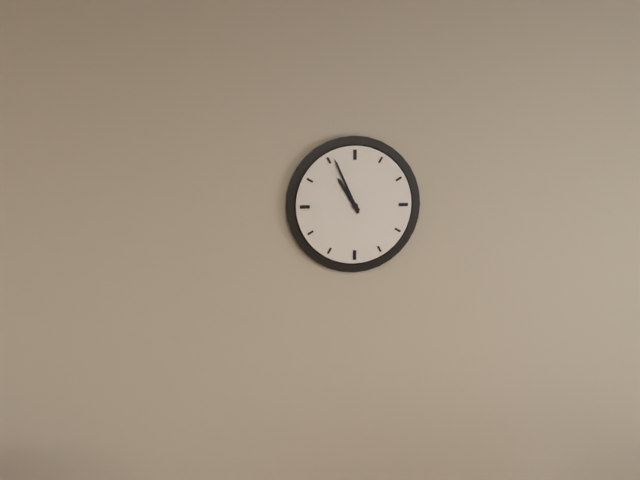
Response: **10:56**
